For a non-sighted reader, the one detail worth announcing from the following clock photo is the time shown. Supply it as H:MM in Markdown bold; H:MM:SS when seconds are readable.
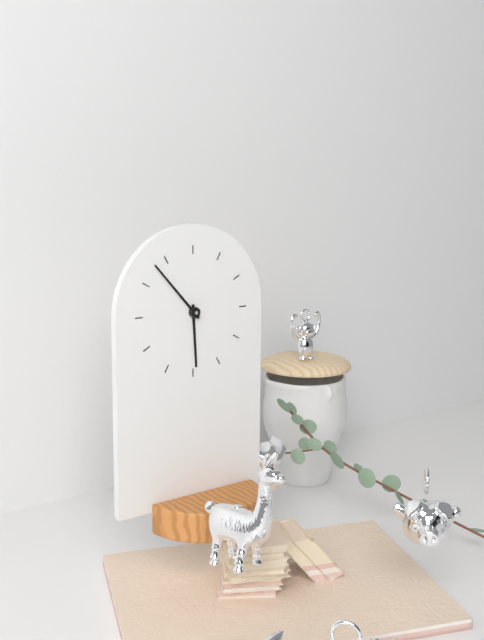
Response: **5:53**
